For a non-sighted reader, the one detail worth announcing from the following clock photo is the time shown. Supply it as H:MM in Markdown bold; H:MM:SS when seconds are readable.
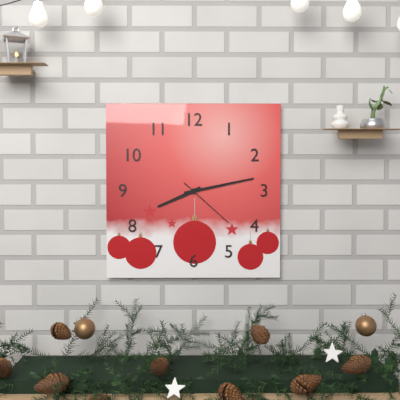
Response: **8:13:22**
